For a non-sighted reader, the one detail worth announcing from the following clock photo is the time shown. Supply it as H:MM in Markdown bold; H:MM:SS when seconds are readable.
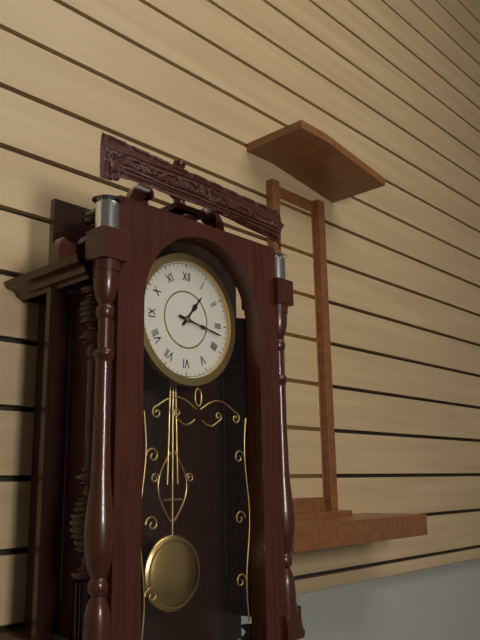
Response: **1:17**
